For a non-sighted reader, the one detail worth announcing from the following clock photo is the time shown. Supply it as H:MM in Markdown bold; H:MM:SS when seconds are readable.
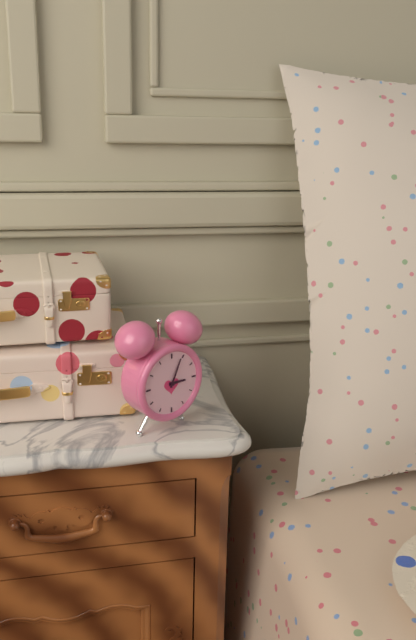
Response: **3:04**
